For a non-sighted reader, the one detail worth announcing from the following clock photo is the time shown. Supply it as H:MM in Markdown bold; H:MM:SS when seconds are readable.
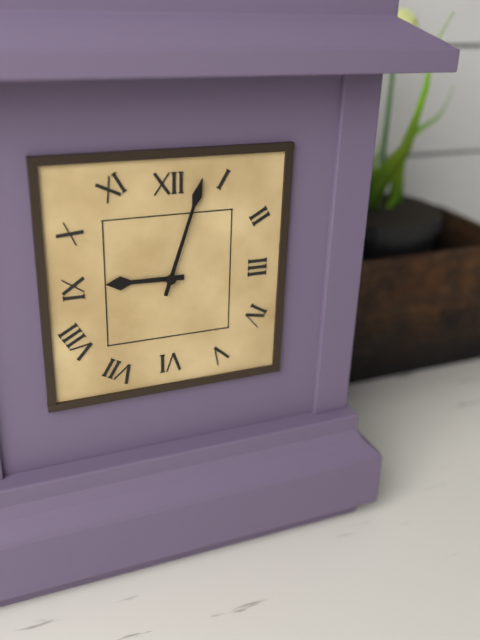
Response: **9:03**
